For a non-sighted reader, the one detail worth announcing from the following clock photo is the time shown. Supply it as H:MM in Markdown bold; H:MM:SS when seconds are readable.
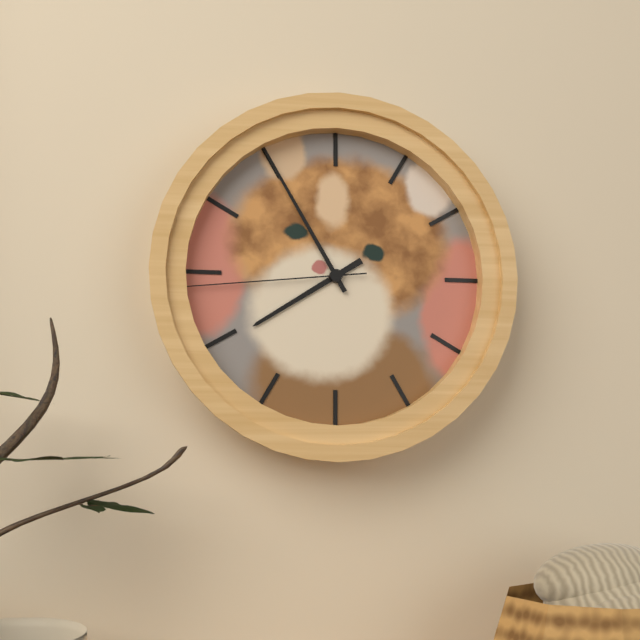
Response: **7:55:44**
